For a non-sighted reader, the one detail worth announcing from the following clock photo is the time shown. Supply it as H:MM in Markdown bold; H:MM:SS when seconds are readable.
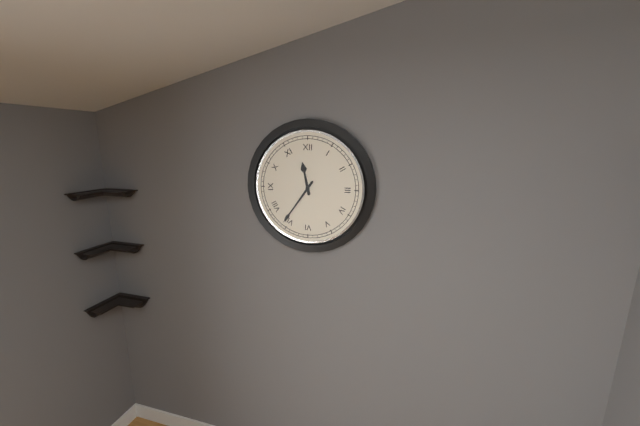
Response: **11:36**
